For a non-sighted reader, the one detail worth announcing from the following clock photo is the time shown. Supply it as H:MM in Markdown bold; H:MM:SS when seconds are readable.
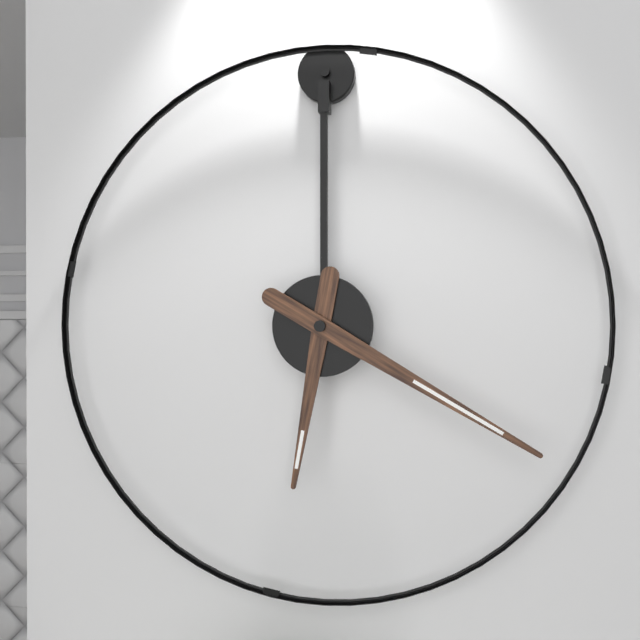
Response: **6:20**
